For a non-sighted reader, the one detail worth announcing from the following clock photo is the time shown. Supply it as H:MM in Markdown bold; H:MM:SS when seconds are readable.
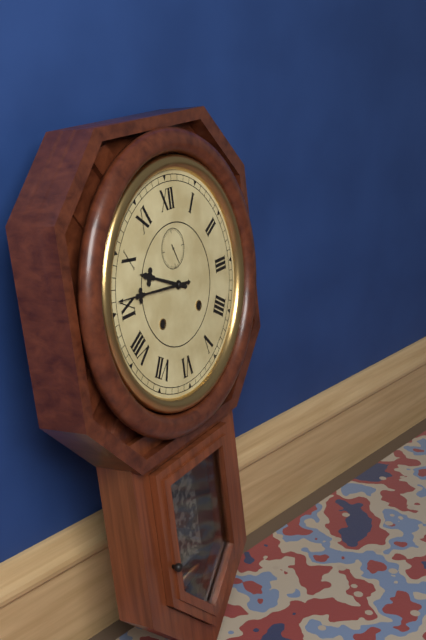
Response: **9:46**
